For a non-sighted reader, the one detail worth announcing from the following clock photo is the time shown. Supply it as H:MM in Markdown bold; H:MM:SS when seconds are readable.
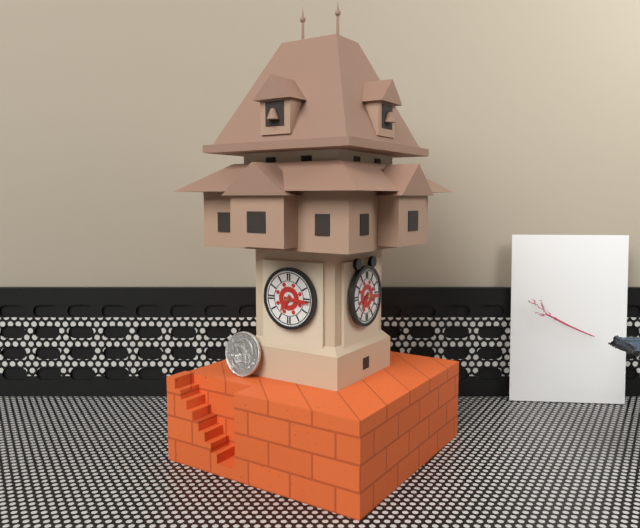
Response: **7:16**
